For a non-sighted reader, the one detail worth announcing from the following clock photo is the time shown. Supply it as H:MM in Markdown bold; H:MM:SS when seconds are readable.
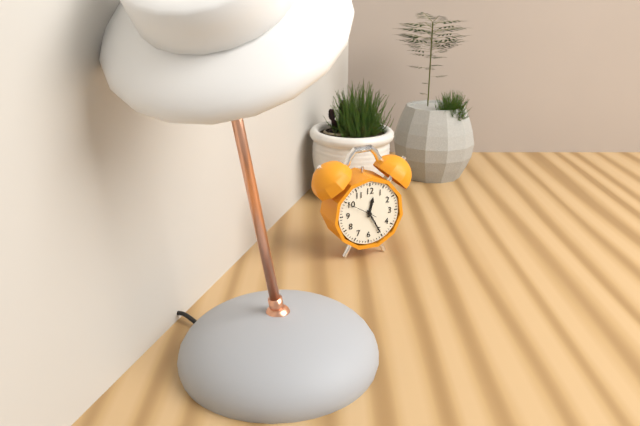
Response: **12:25**
